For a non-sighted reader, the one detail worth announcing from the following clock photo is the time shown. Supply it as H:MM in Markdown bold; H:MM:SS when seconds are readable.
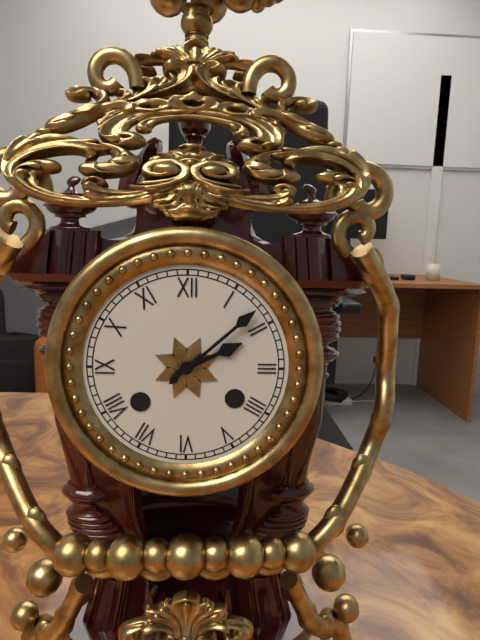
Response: **2:08**
